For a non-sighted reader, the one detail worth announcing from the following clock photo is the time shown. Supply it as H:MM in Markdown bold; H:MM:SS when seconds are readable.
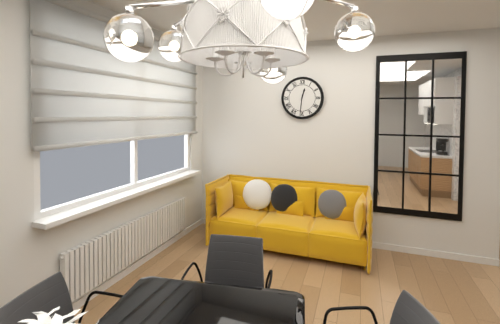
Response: **12:31**
